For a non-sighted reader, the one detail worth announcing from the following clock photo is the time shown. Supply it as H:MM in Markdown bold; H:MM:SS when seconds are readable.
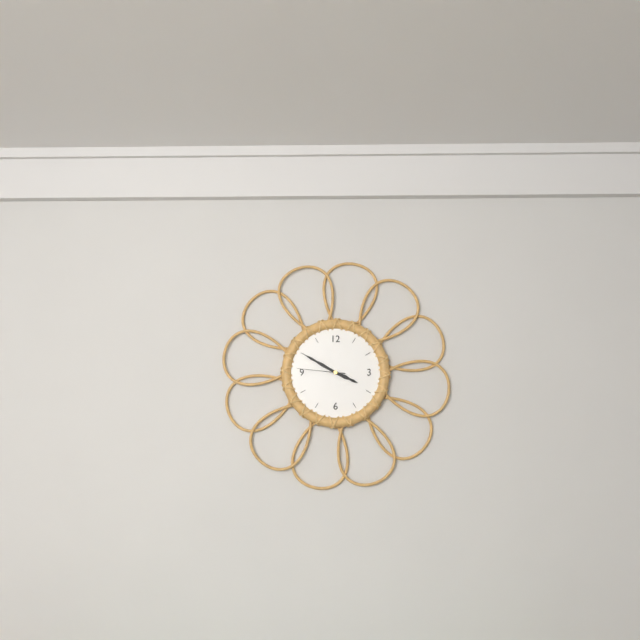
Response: **3:50**
